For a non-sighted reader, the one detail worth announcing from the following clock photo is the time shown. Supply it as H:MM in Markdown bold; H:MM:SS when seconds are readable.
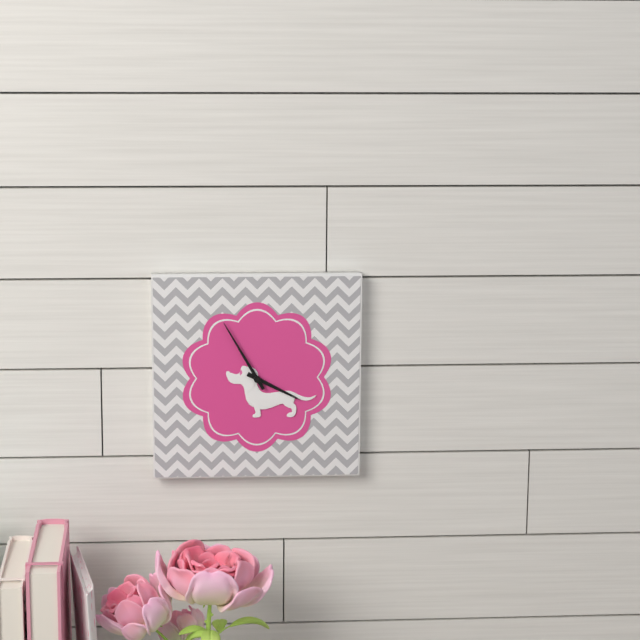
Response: **3:55**
